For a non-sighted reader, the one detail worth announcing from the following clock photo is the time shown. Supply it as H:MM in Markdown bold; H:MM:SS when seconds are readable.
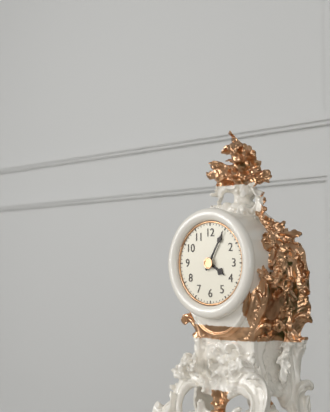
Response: **4:05**
